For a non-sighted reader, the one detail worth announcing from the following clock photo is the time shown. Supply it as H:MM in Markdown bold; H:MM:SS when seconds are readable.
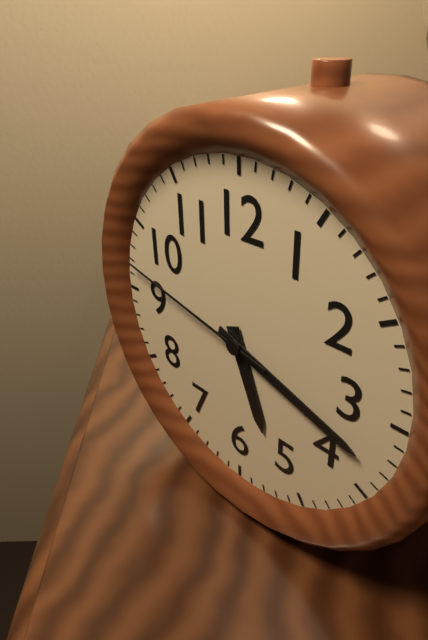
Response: **5:18:47**
